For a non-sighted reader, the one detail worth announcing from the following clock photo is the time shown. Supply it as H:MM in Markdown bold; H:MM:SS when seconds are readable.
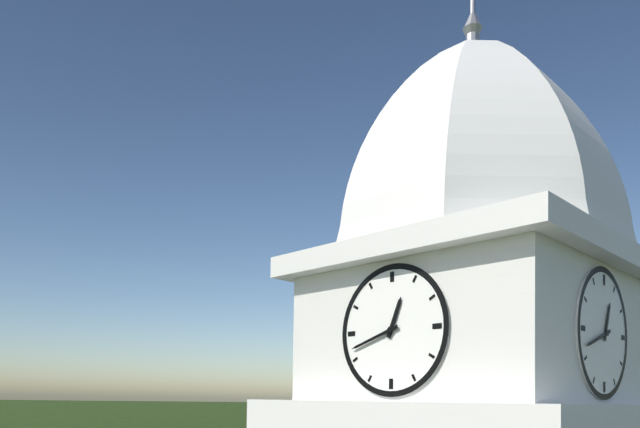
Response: **12:42**
